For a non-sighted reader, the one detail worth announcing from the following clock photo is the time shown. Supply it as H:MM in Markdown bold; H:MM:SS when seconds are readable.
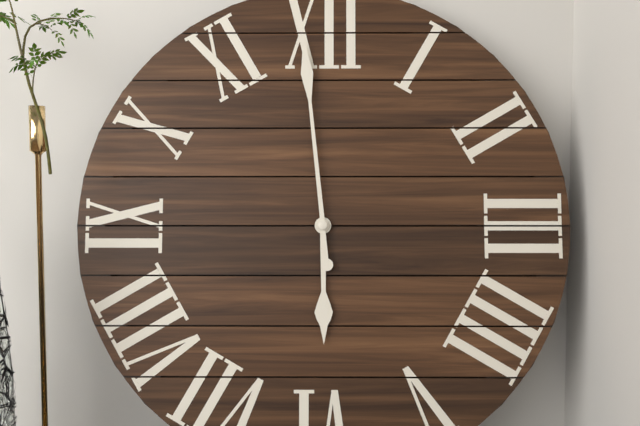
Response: **5:59**
